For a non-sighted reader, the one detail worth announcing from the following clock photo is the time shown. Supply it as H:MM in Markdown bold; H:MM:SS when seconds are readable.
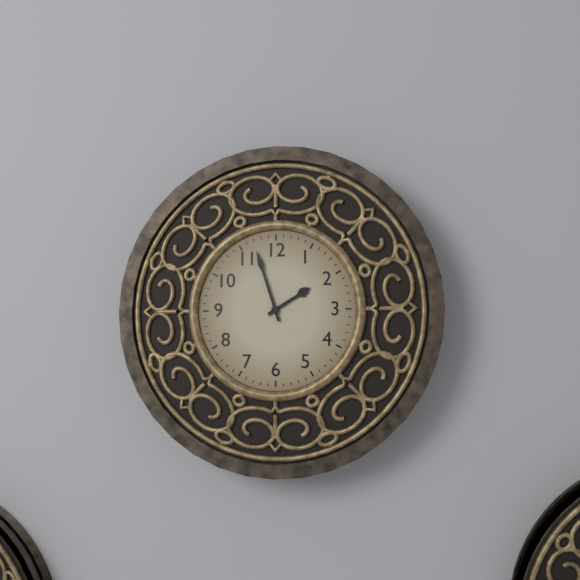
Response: **1:57**
